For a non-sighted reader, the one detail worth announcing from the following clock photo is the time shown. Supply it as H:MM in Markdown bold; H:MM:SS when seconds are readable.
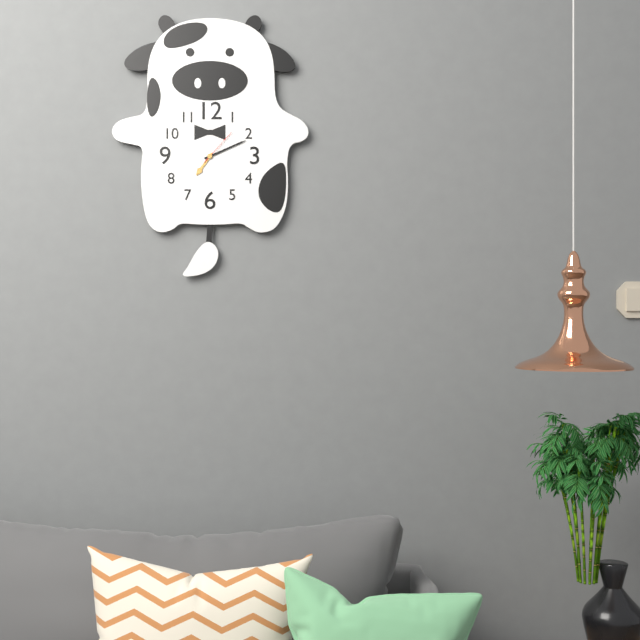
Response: **7:11**
